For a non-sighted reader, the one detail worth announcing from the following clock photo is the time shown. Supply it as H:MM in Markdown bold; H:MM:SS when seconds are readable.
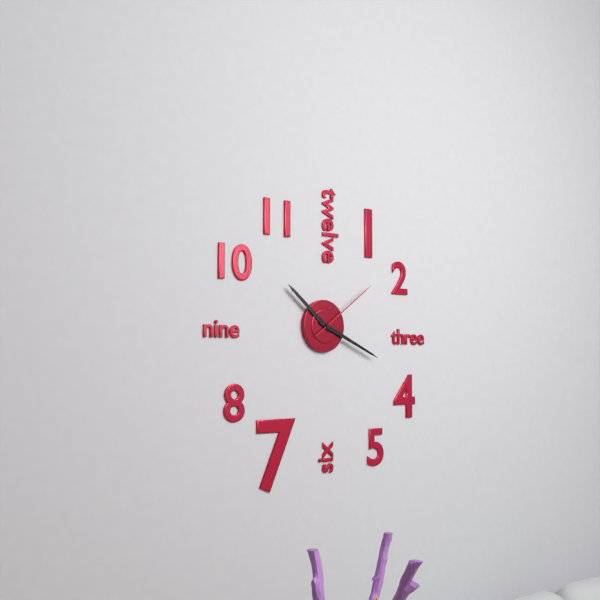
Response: **10:19:09**
